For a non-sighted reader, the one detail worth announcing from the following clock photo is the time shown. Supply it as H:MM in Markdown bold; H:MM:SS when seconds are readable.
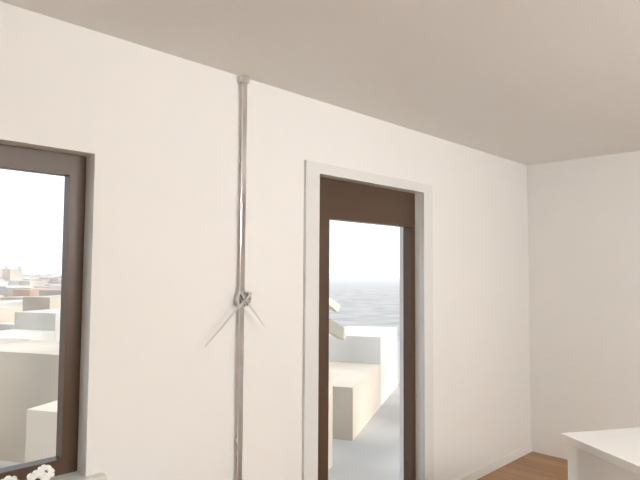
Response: **4:38**
